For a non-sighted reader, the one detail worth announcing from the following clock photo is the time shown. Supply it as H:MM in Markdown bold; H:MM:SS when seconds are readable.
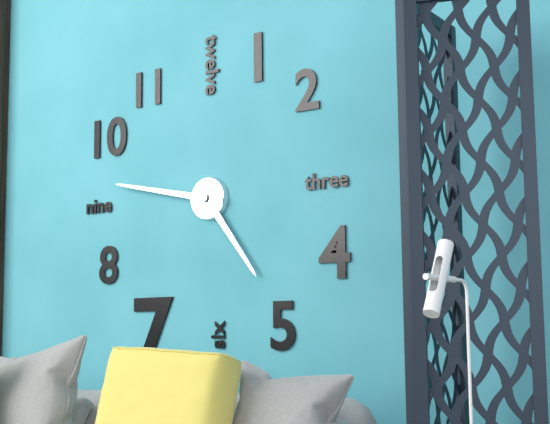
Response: **4:47**
